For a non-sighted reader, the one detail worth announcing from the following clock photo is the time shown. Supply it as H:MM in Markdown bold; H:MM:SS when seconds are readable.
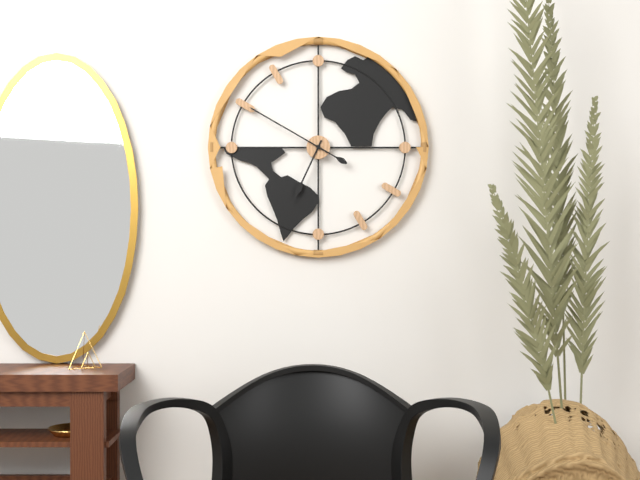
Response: **6:50**
